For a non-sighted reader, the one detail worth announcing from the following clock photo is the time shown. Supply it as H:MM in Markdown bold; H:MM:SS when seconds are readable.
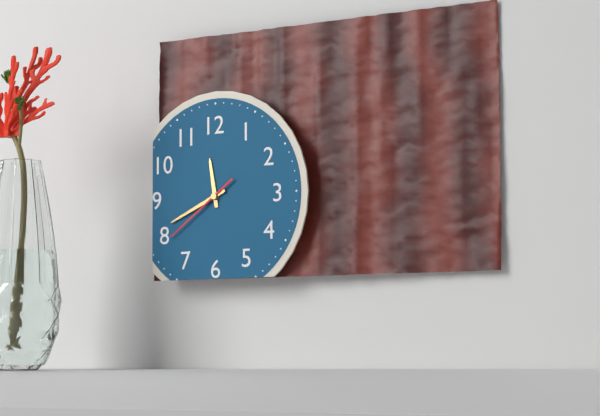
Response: **11:41:39**
